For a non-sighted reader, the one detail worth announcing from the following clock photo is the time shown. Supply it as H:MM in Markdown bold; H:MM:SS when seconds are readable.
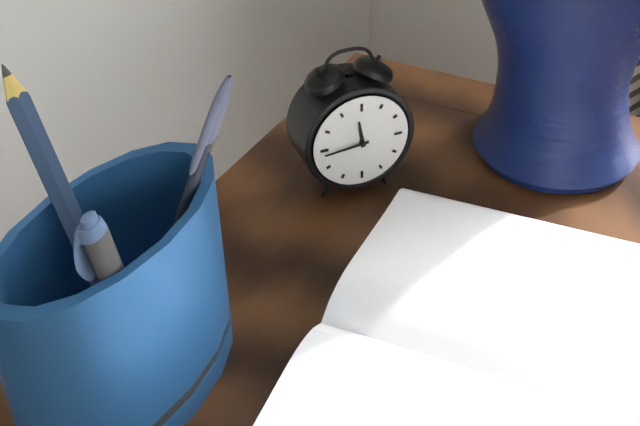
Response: **11:44**
